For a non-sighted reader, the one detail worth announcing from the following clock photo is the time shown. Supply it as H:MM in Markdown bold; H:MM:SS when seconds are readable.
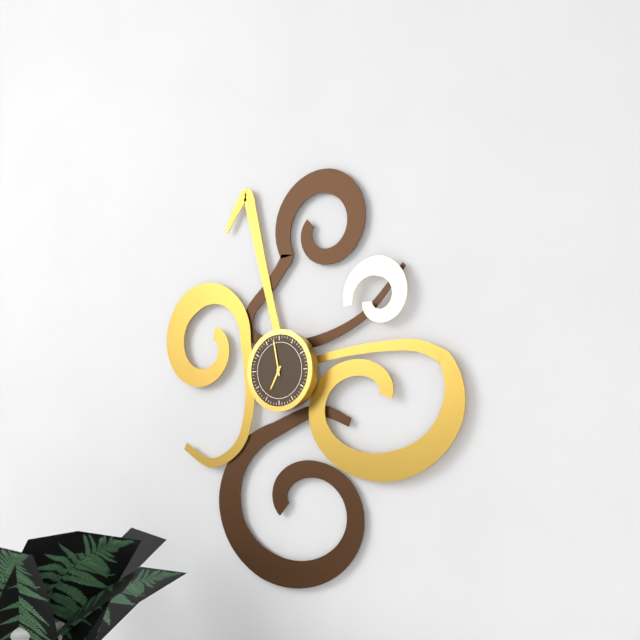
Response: **6:58**
